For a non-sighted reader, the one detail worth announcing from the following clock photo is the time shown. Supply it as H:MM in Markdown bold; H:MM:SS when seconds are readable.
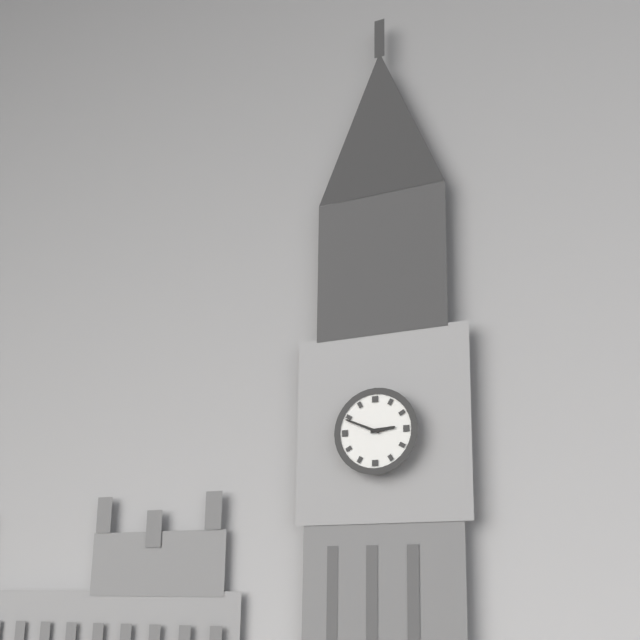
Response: **2:49**
